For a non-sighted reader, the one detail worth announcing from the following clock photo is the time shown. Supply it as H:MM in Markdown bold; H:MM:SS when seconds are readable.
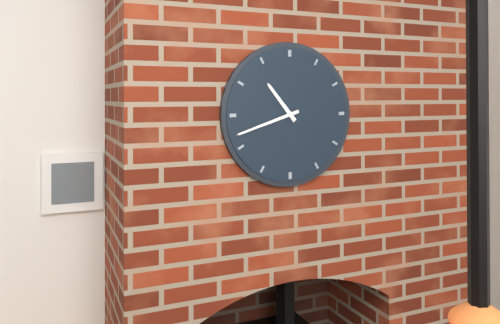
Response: **10:42**
